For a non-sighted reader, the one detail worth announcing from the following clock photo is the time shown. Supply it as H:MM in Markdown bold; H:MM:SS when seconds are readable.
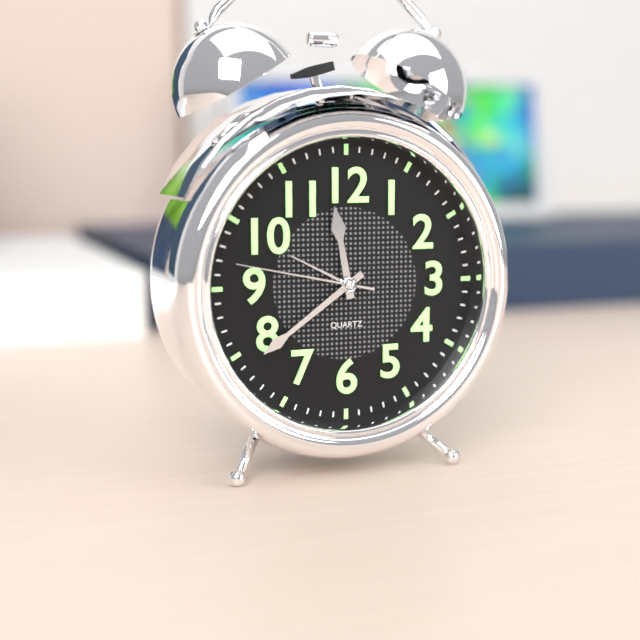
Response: **11:39:47**
